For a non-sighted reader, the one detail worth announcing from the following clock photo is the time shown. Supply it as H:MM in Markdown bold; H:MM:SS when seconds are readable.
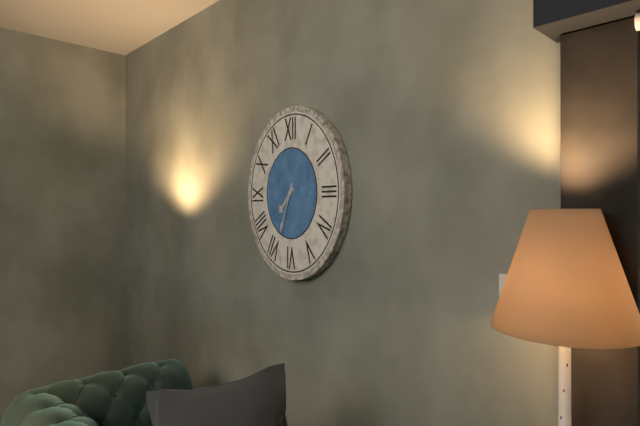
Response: **7:34**
